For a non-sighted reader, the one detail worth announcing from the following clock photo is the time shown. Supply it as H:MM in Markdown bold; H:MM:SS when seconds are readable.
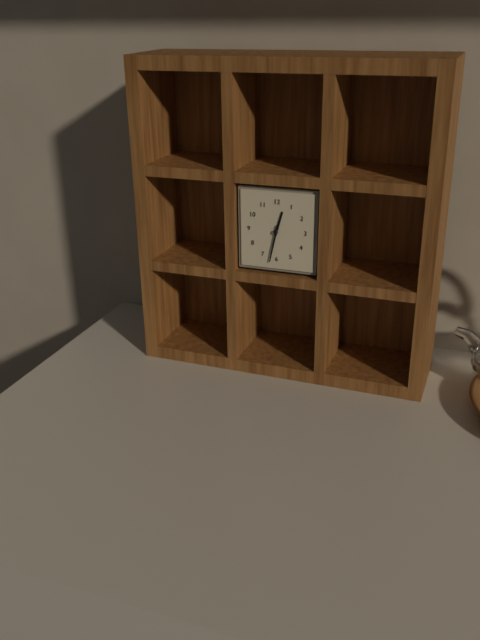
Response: **12:32**
